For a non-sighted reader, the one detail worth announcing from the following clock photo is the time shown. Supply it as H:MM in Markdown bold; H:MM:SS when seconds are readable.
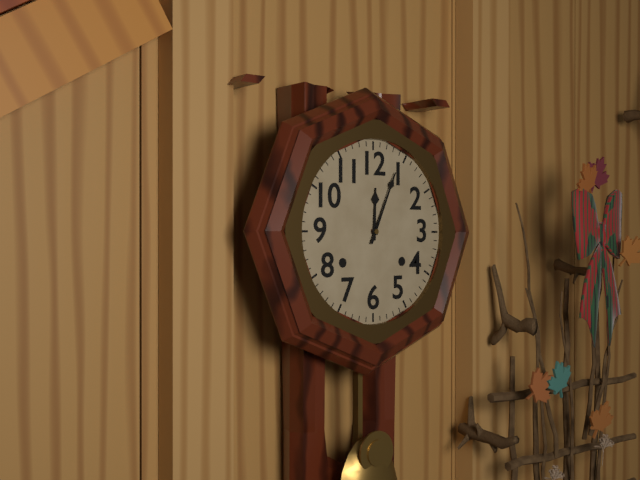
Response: **12:04**
